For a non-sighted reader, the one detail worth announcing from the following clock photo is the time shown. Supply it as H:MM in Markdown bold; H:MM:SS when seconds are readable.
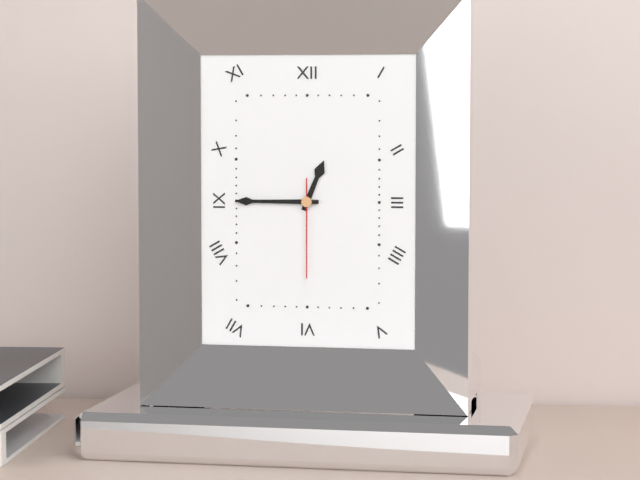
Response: **12:45:30**
